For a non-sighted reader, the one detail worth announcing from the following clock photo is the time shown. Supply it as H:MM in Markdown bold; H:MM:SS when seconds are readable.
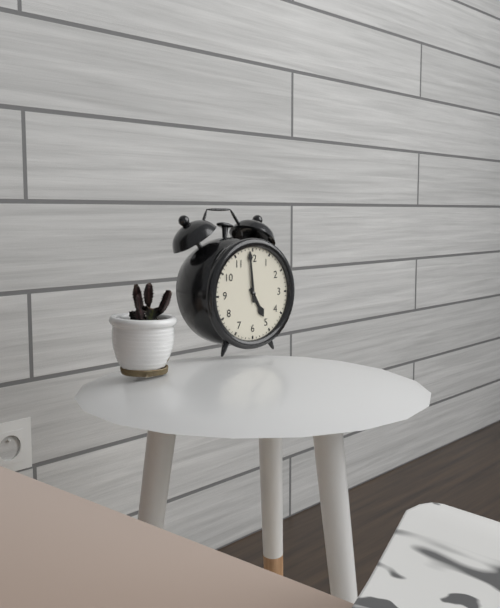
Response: **4:59**
